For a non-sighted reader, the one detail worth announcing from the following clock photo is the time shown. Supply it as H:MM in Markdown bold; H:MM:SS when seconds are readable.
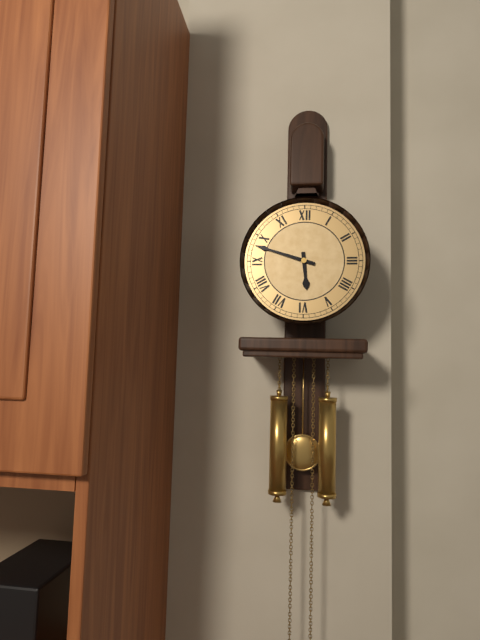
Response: **5:48**
